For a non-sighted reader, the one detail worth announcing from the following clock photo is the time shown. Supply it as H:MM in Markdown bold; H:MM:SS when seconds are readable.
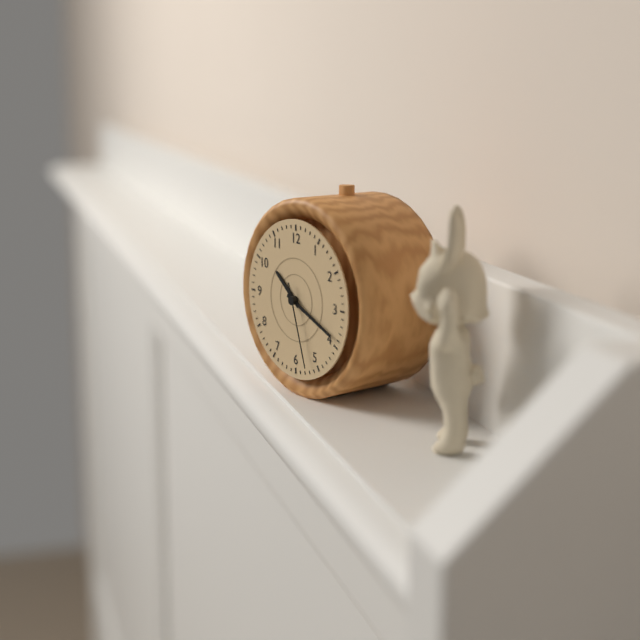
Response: **10:19:27**
